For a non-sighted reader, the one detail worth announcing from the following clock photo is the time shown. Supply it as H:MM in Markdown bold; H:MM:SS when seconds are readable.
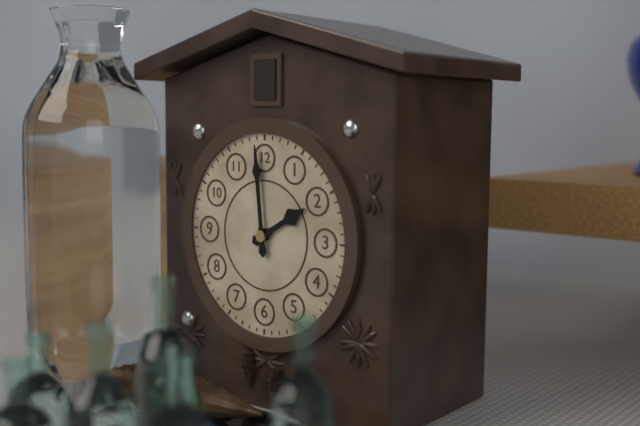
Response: **1:59**
